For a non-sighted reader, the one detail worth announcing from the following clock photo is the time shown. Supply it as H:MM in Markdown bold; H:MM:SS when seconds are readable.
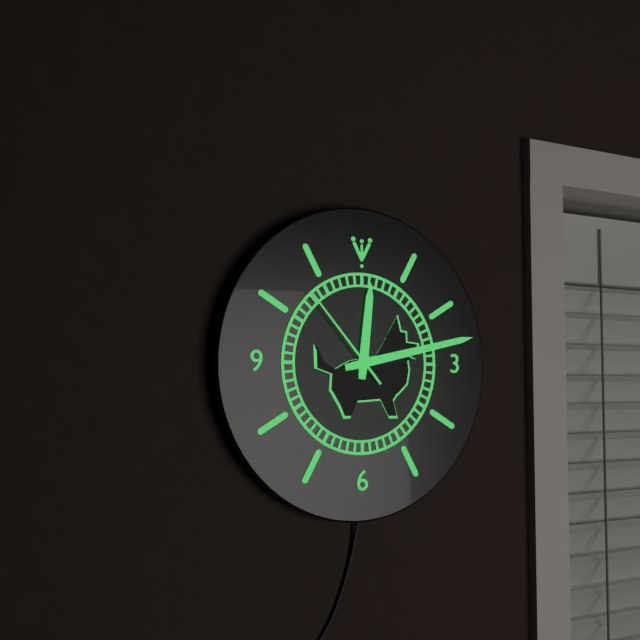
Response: **12:13:53**
